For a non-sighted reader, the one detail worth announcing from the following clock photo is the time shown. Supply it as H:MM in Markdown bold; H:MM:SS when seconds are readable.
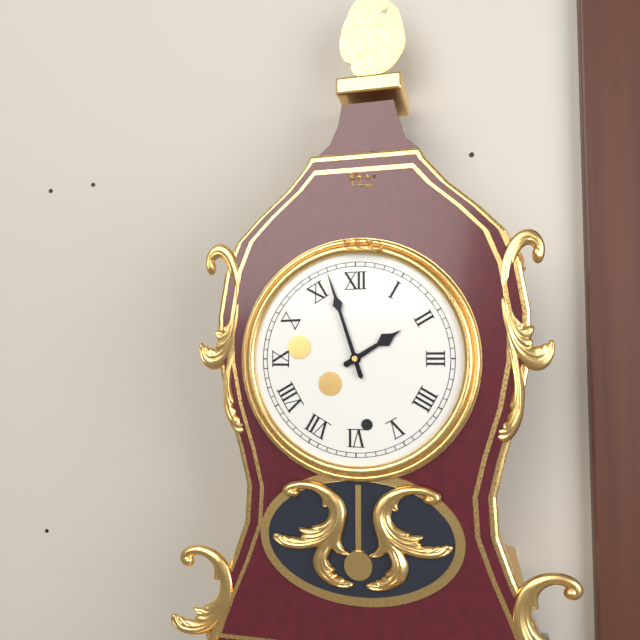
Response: **1:57**
